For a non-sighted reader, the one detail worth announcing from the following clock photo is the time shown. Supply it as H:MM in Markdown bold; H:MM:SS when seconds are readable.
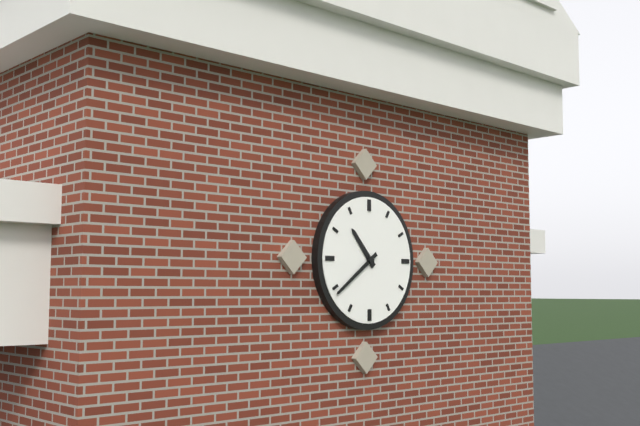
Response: **10:39**
